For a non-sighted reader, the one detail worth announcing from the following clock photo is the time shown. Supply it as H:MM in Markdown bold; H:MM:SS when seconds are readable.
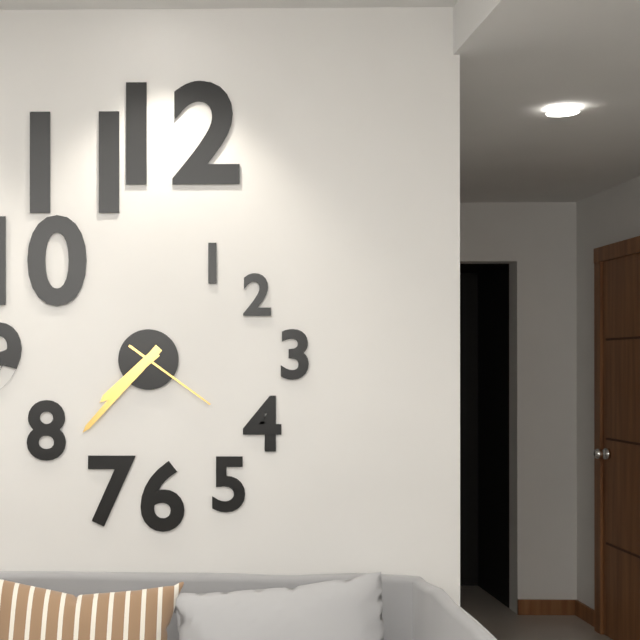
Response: **7:37:21**
